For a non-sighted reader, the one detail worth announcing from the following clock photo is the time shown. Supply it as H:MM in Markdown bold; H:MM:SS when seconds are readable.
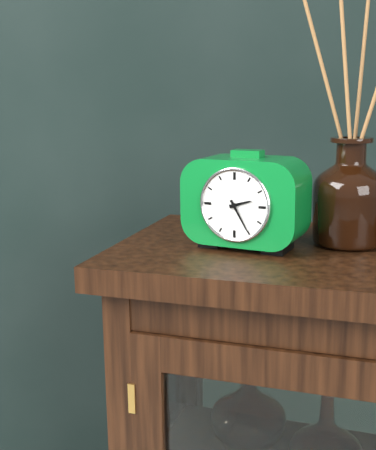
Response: **2:25**
